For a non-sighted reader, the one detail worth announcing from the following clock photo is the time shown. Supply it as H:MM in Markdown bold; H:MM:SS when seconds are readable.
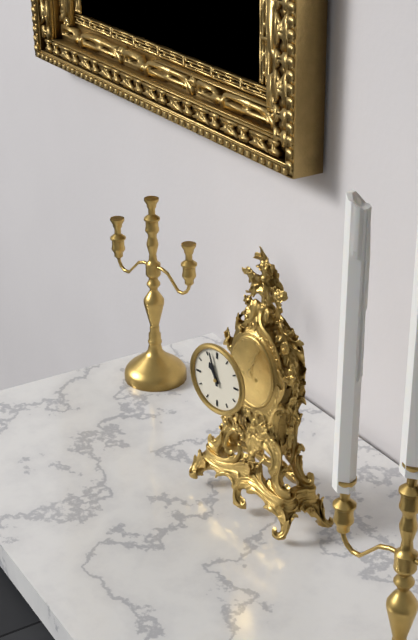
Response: **10:57**
